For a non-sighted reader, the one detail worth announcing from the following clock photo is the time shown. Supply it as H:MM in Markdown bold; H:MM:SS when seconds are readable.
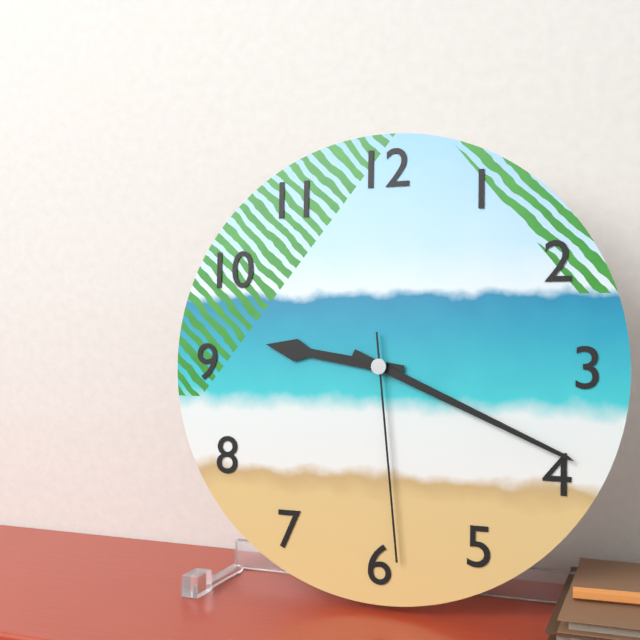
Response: **9:19:29**
